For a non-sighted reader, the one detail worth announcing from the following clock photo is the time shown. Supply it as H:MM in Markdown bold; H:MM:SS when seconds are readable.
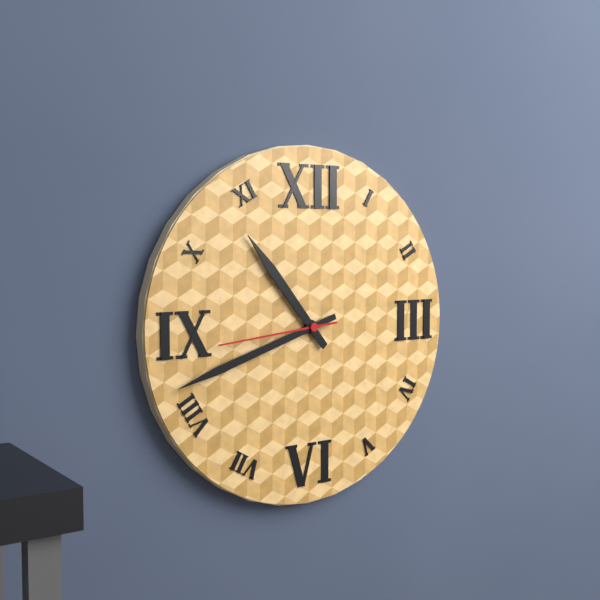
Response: **10:42:44**
